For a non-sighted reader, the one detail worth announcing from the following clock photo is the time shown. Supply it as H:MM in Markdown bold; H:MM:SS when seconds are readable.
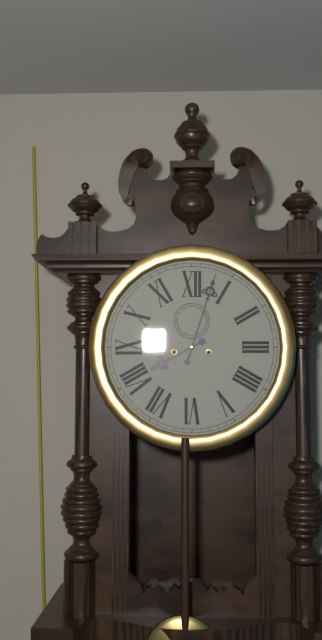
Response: **8:03**
